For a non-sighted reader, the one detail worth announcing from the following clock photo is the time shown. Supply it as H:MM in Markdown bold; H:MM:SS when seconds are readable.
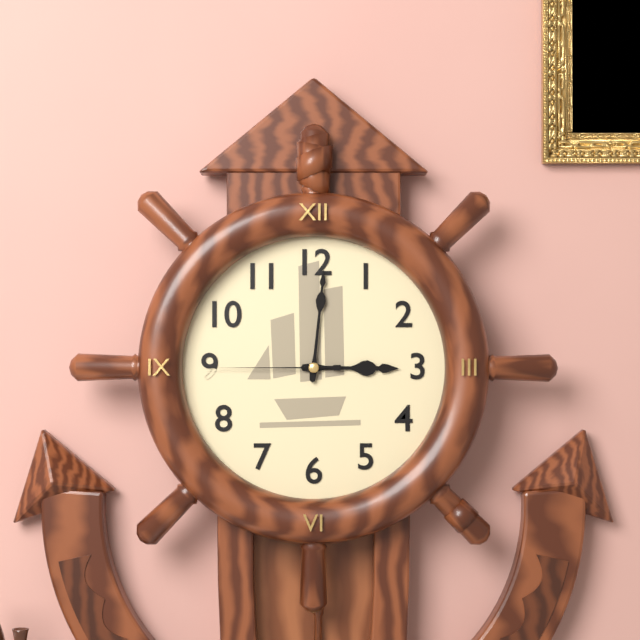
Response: **3:01:45**
